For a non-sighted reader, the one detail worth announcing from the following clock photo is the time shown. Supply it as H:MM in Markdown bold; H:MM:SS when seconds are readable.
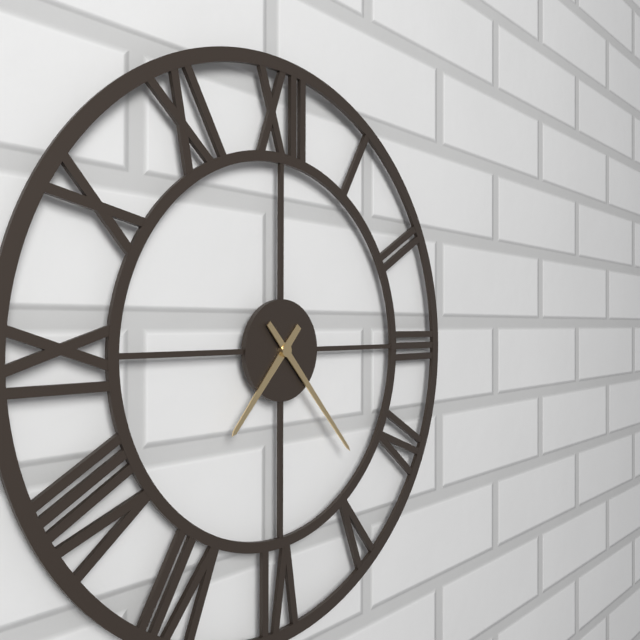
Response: **7:23**
